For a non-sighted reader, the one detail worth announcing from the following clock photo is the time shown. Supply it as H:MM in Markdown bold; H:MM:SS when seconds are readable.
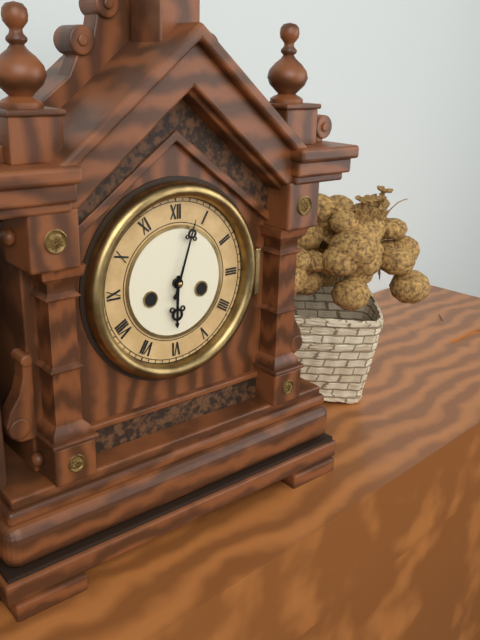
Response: **6:03**
